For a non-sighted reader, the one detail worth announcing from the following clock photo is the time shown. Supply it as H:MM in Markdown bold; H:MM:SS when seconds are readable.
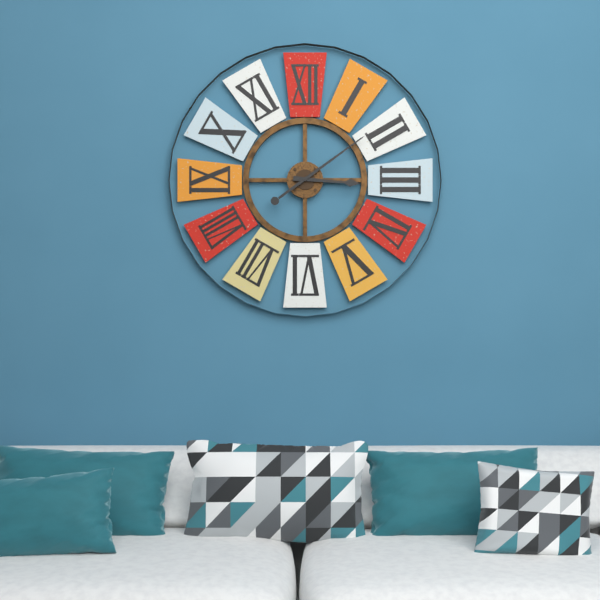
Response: **3:09**
